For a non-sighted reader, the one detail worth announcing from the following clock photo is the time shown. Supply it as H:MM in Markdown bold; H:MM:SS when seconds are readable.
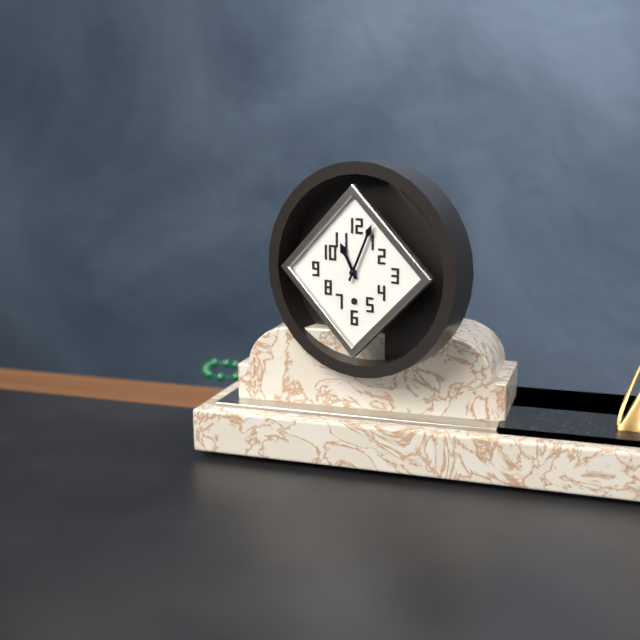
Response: **11:04**
